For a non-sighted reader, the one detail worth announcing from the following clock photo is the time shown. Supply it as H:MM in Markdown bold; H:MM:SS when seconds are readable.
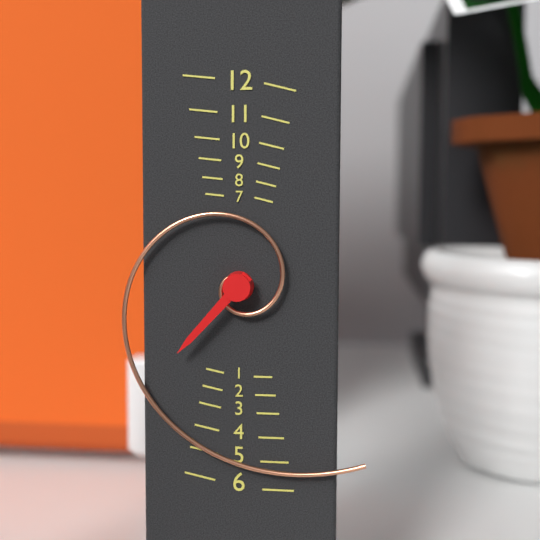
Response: **7:24**
